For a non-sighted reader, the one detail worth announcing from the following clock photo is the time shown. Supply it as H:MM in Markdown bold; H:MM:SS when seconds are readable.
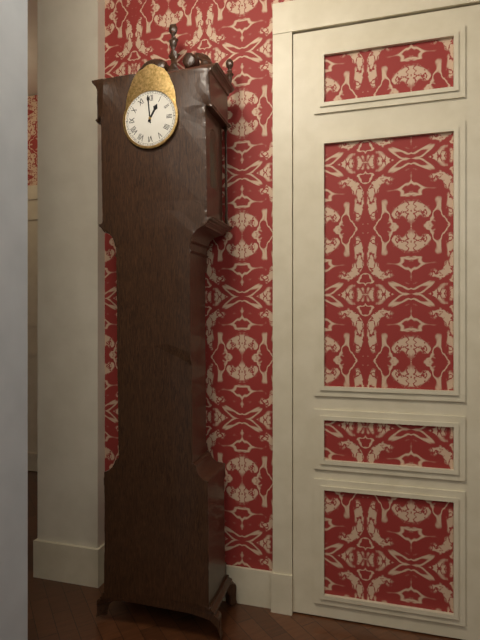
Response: **12:59**
